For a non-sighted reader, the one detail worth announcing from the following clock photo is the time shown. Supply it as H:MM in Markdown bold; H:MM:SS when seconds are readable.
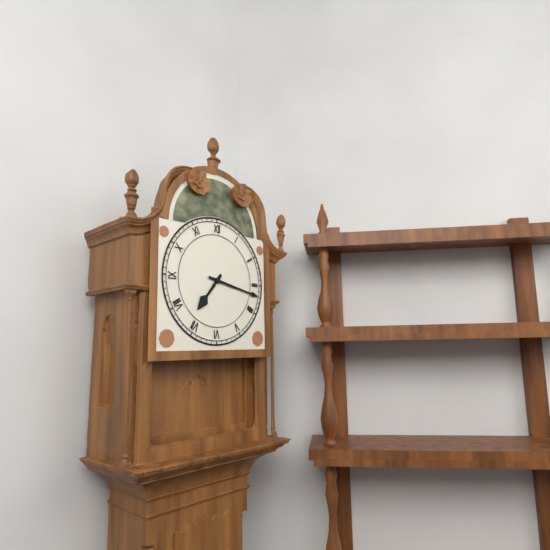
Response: **7:17**
